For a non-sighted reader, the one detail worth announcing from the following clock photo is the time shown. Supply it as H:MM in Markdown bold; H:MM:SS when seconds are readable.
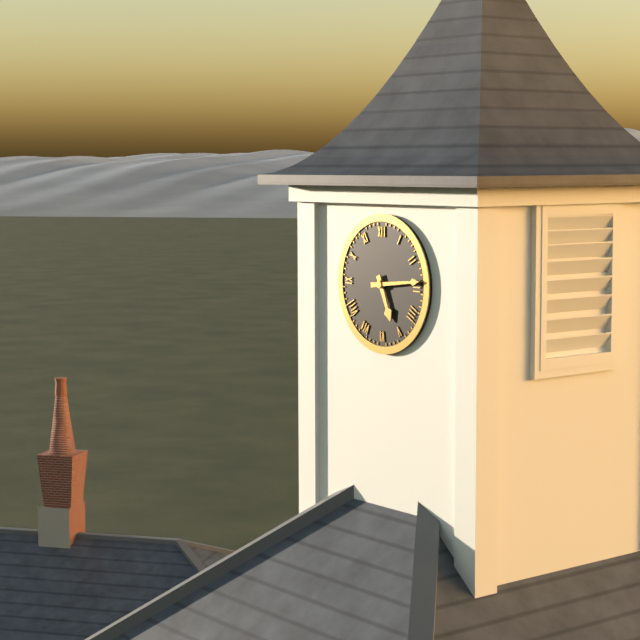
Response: **5:14**
